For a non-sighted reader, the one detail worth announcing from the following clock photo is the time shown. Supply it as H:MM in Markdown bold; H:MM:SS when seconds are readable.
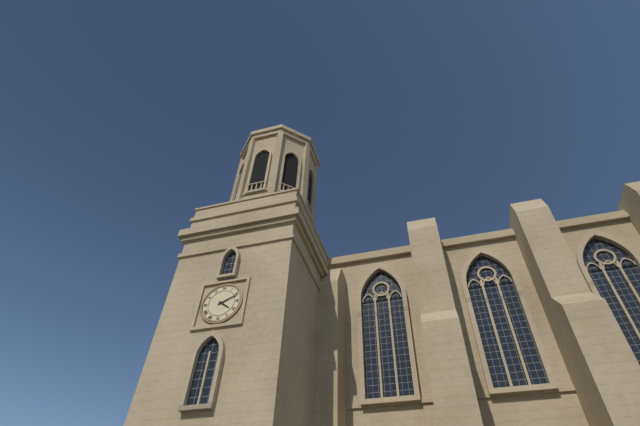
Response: **4:11**
